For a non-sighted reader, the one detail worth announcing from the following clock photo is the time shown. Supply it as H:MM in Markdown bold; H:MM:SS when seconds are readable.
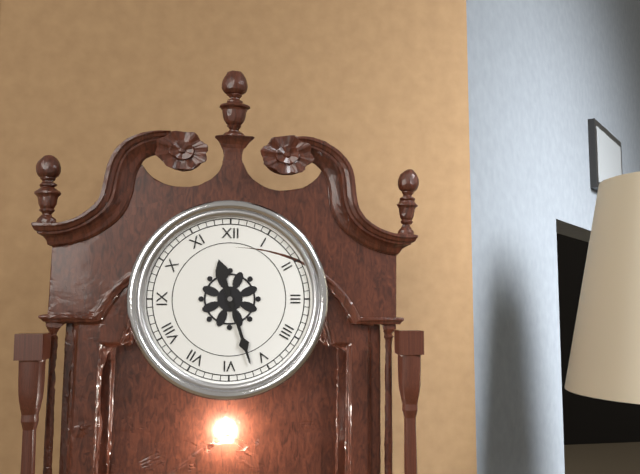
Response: **11:27**
